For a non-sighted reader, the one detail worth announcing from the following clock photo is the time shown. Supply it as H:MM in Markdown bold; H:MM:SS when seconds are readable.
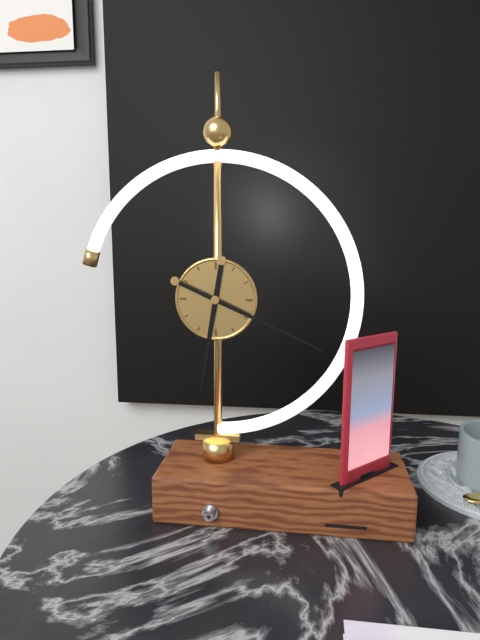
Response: **6:19**
